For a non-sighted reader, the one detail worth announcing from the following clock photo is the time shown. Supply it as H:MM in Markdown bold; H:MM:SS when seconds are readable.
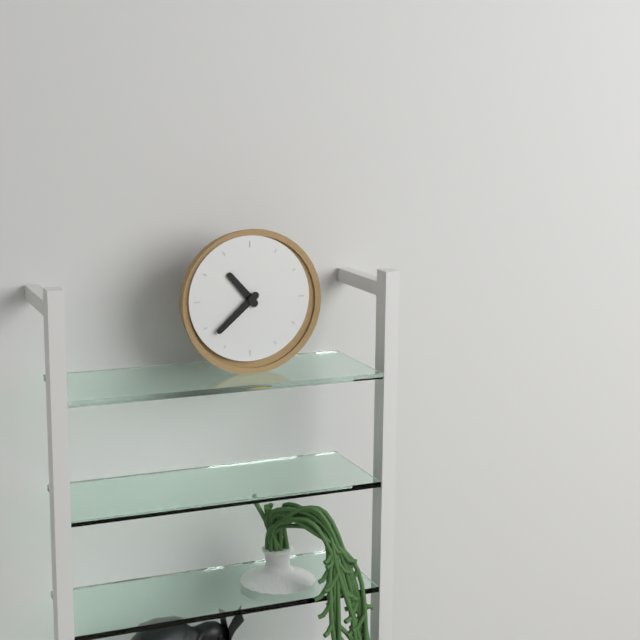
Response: **10:38**
